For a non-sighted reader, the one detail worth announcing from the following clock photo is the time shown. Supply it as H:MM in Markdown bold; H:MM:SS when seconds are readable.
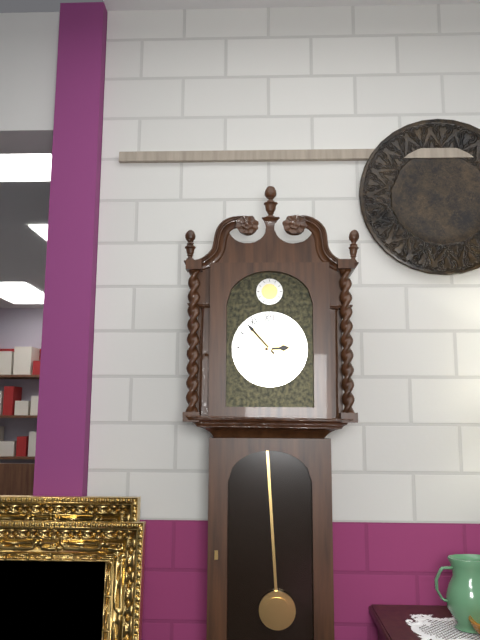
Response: **2:53**
